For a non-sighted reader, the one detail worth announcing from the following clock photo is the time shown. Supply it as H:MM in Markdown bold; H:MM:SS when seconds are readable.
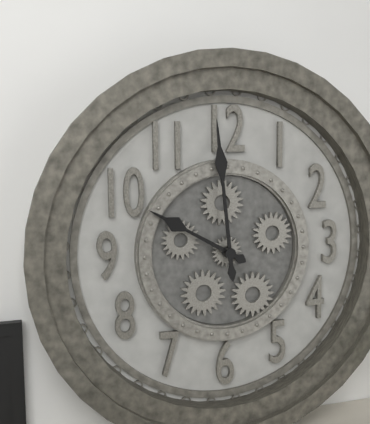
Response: **9:59**
